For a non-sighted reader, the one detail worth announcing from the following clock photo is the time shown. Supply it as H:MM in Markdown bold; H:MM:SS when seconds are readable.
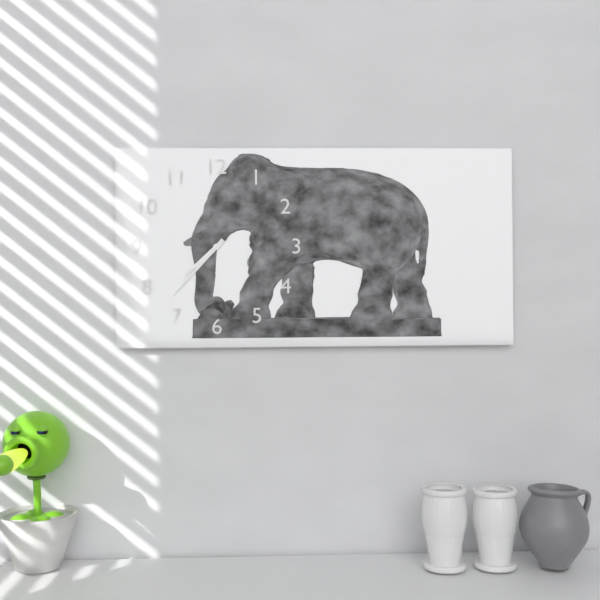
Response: **7:37**
